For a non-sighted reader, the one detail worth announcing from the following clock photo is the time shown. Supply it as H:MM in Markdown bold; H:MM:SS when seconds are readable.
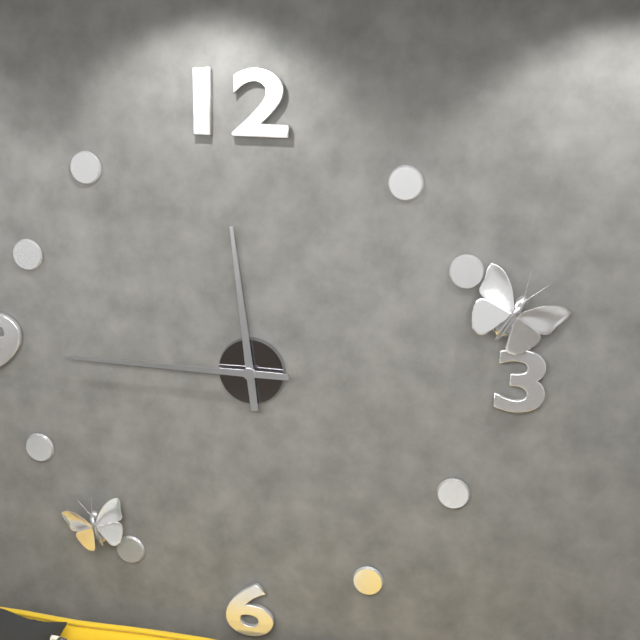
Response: **11:45**
